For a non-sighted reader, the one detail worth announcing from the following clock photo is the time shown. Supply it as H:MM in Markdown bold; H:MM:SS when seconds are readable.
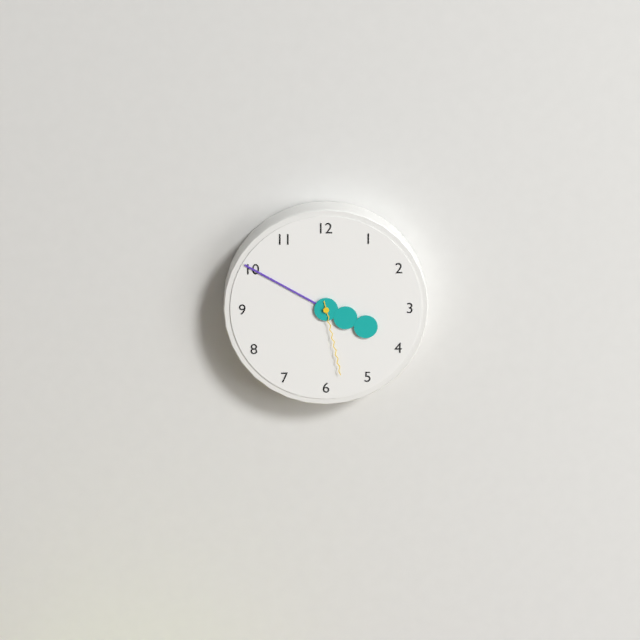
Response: **3:50:28**
